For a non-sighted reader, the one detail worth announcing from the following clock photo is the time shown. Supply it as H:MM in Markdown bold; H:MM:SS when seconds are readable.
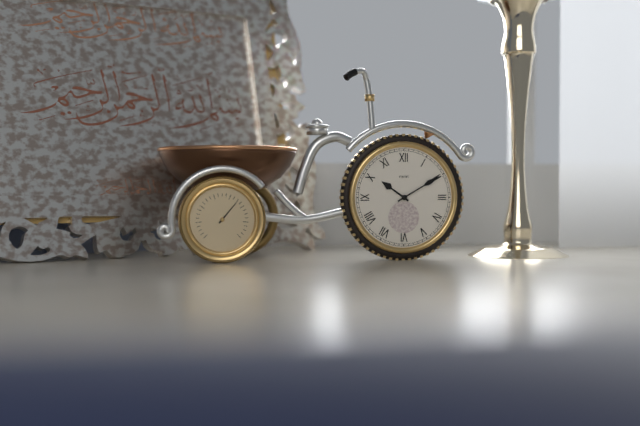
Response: **10:10**
